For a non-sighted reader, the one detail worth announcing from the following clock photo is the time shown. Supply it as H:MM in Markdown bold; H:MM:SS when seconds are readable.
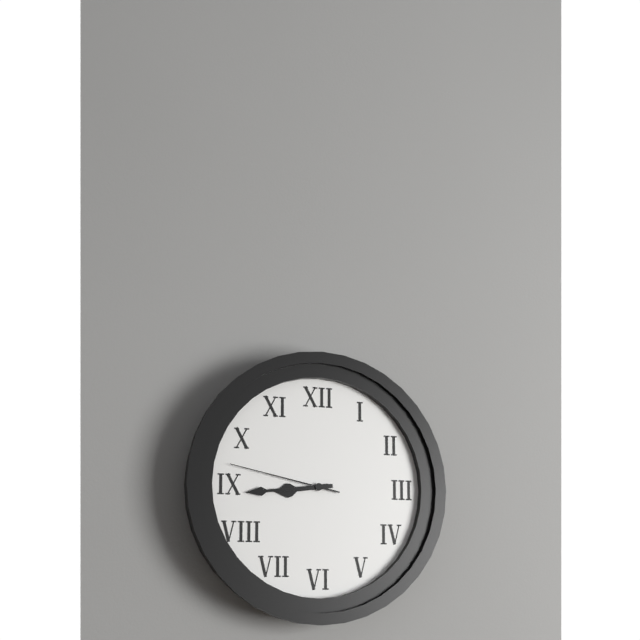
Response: **8:44:47**
